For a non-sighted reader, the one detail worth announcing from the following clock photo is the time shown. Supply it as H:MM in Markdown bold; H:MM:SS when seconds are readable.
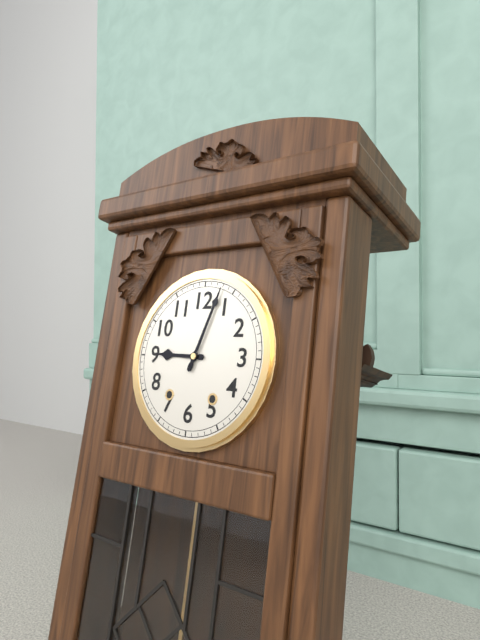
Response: **9:03**
